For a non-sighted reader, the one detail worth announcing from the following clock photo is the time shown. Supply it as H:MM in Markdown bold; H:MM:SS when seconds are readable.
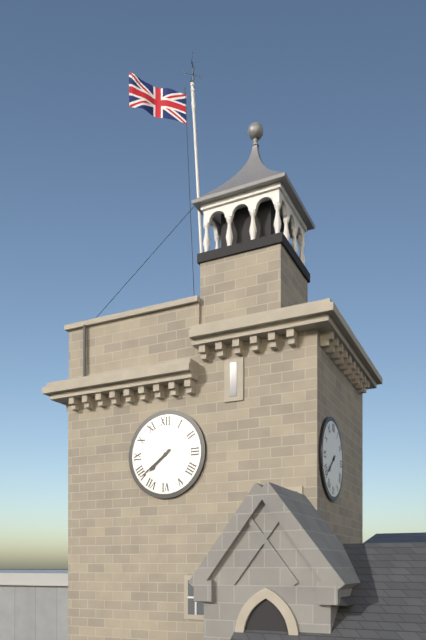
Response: **7:39**
